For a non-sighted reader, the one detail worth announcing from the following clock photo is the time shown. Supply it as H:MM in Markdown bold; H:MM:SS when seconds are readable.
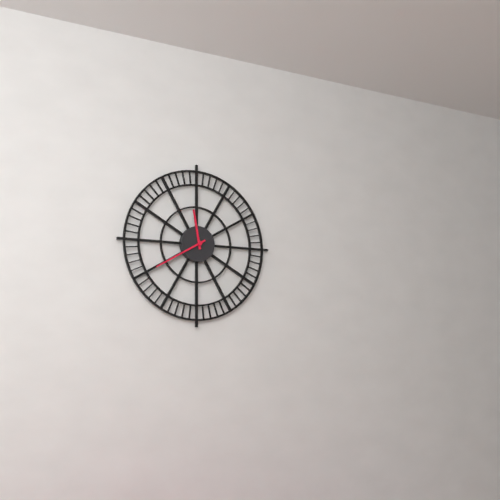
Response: **11:40**
